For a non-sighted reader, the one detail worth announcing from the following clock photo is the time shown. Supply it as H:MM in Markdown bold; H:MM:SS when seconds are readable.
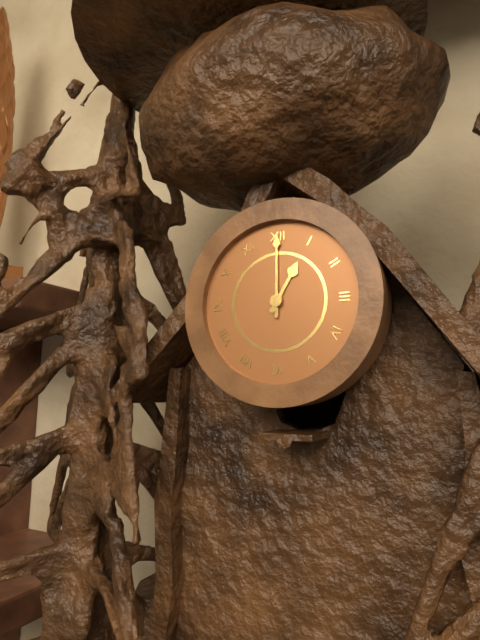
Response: **1:00**
